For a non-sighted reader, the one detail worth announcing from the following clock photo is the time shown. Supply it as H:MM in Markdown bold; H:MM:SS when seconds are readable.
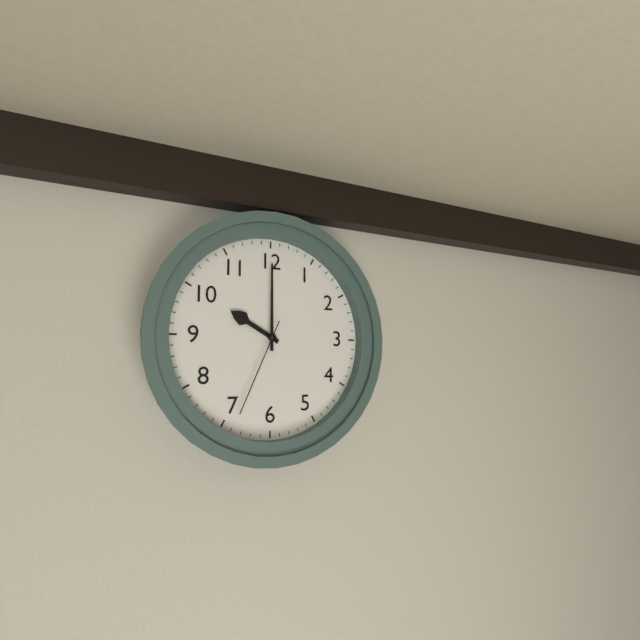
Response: **10:00:34**
